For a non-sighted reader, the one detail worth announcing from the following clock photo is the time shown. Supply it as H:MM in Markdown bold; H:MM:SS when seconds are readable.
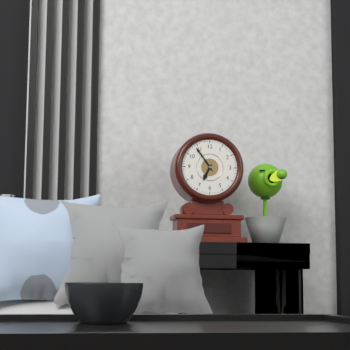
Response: **6:54**
